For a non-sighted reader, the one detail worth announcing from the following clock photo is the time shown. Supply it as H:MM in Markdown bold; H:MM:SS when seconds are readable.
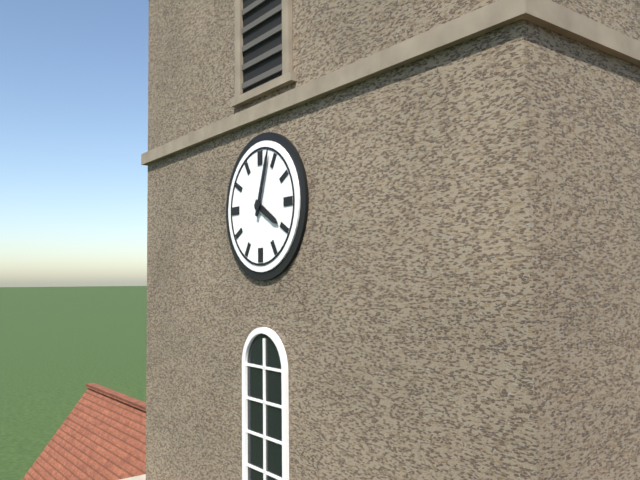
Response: **4:03**
